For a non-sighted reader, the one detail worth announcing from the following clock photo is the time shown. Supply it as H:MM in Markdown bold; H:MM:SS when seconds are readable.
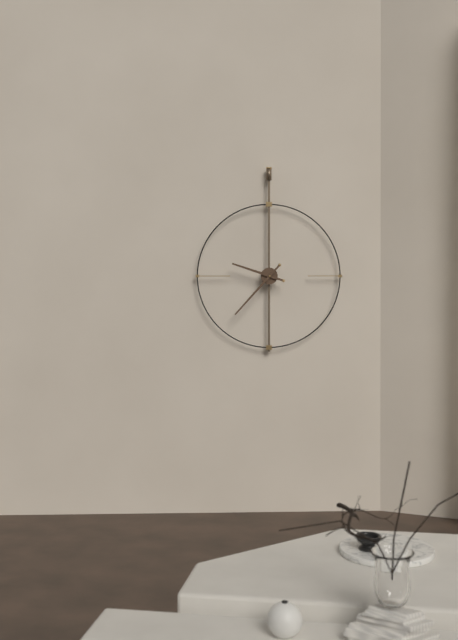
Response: **9:37**
